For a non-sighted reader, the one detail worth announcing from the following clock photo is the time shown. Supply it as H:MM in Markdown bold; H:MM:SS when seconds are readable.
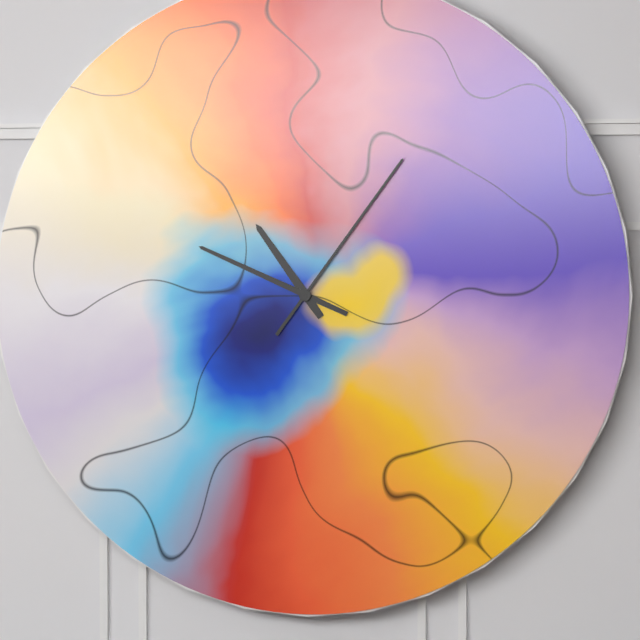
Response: **10:49:06**
